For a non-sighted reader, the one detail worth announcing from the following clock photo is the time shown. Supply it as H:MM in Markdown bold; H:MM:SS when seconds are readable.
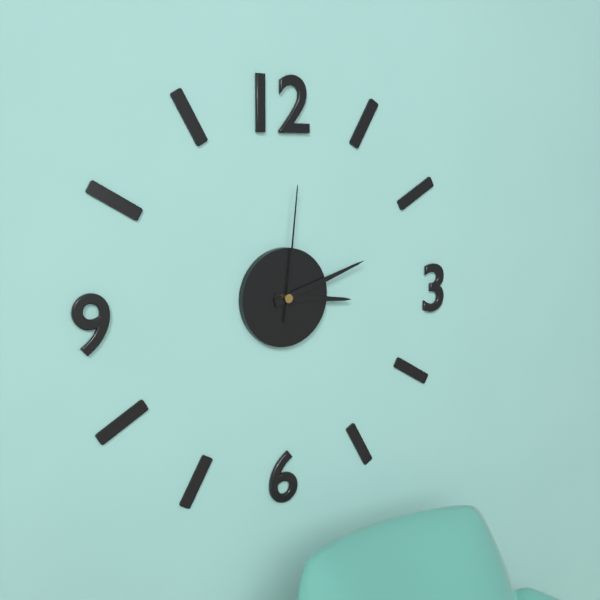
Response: **3:12:01**
